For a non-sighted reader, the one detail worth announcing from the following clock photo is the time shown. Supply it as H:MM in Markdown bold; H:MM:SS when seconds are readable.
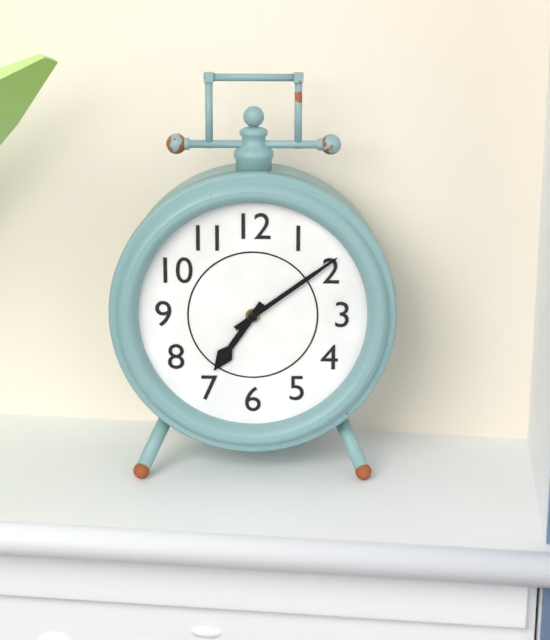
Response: **7:09**
